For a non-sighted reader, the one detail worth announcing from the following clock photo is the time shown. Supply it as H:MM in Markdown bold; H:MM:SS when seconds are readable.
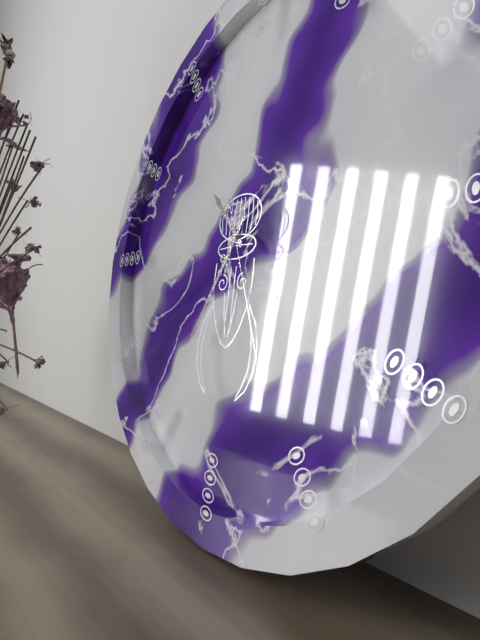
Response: **10:35:26**
